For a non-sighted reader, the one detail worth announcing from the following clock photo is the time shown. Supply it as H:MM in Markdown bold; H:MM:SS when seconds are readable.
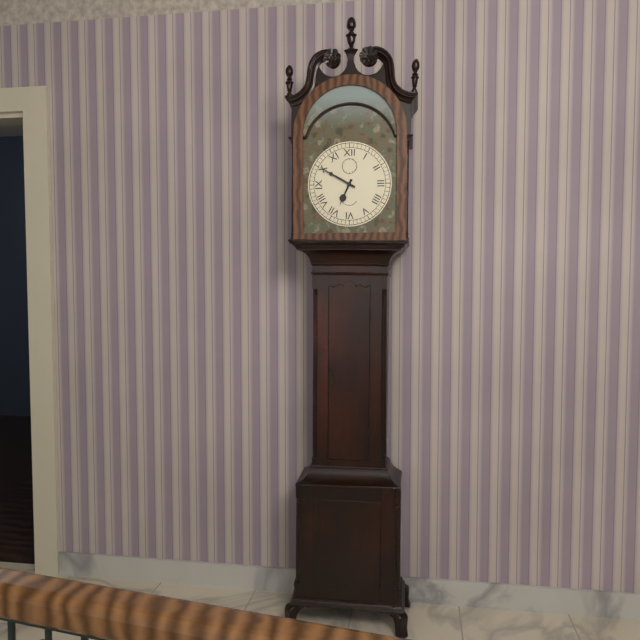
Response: **6:50**
